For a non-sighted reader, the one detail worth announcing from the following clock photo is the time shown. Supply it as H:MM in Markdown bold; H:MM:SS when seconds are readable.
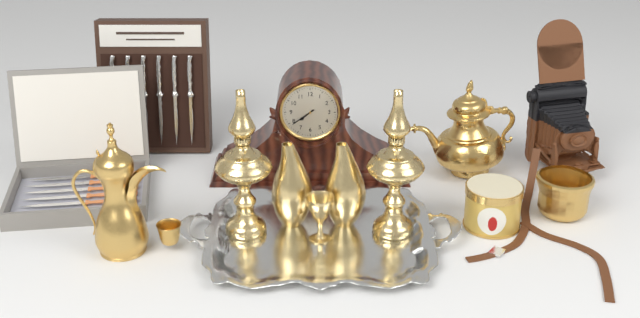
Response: **7:39**
